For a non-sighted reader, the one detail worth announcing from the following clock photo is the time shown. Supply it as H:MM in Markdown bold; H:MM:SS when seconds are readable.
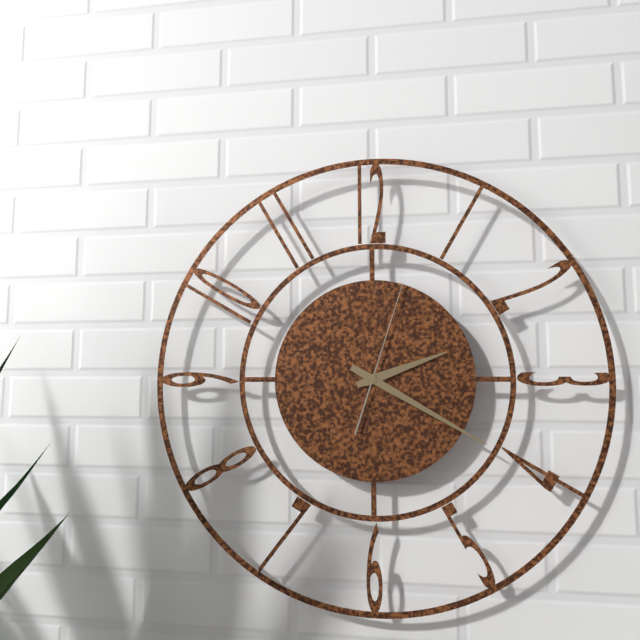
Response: **2:20:03**
